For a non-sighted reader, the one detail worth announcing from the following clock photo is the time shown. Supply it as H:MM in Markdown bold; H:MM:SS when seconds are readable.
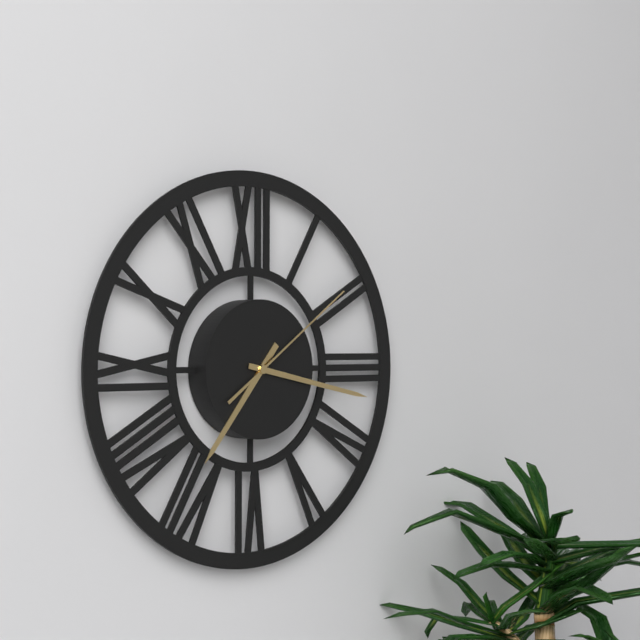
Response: **7:17:09**
